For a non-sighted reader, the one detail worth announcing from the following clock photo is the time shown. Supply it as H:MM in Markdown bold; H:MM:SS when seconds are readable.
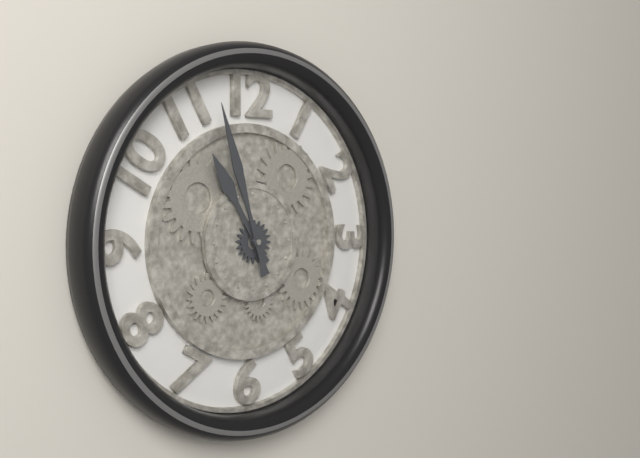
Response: **10:57**
